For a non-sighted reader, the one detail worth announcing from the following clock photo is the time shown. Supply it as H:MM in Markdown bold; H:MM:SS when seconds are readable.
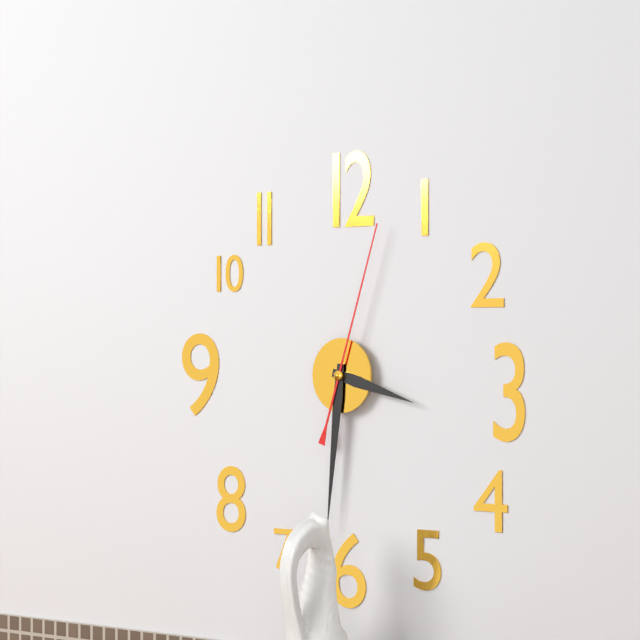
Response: **3:31:03**
